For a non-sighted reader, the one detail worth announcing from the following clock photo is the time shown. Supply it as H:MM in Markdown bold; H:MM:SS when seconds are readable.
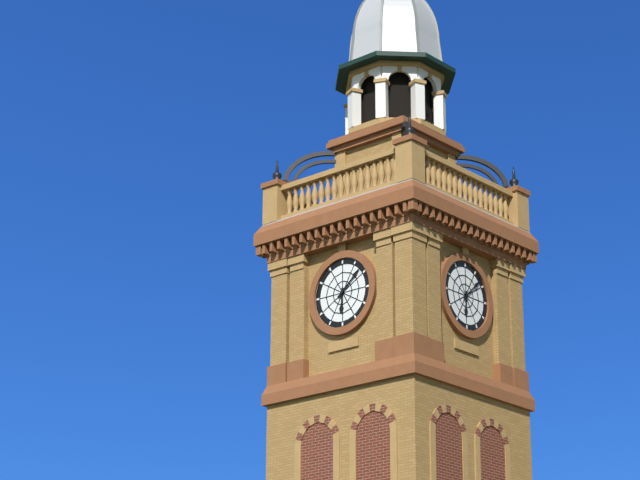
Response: **6:08**
